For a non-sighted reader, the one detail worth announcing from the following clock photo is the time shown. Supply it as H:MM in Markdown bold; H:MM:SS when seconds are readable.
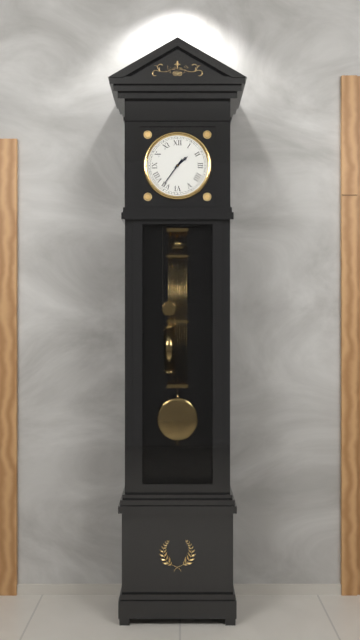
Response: **1:36**
